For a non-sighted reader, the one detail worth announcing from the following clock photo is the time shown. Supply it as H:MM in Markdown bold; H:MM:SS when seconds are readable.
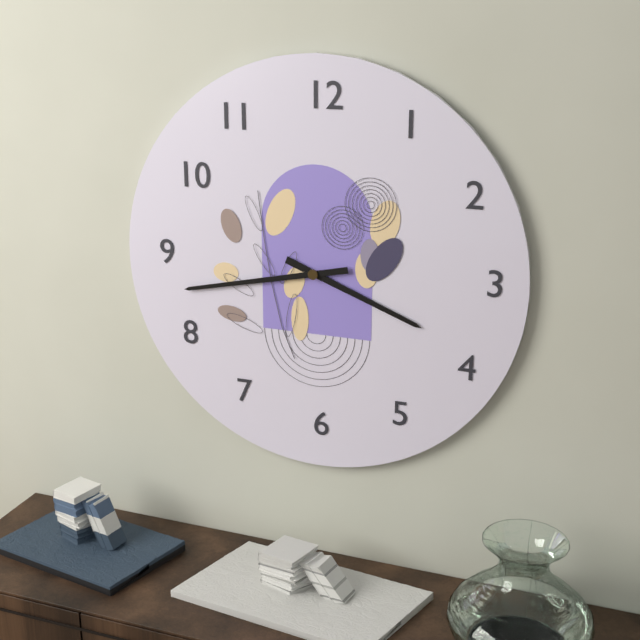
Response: **3:43**
